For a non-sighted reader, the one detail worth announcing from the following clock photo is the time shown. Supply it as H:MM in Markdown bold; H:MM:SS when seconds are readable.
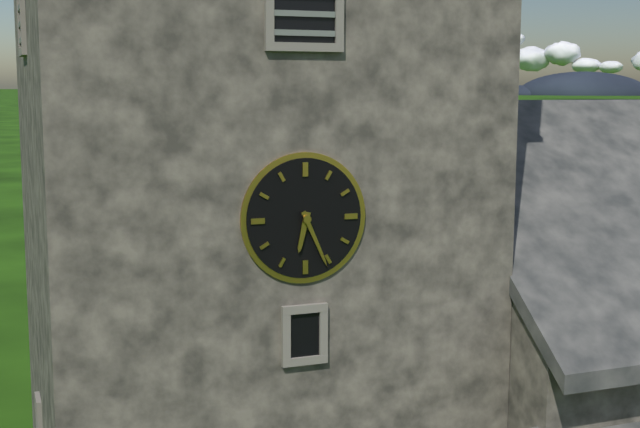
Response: **6:26**
